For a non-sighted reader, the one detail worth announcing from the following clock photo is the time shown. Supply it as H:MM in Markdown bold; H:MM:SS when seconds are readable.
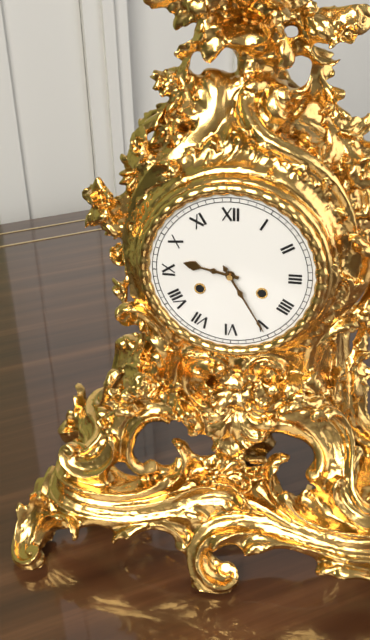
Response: **9:25**
